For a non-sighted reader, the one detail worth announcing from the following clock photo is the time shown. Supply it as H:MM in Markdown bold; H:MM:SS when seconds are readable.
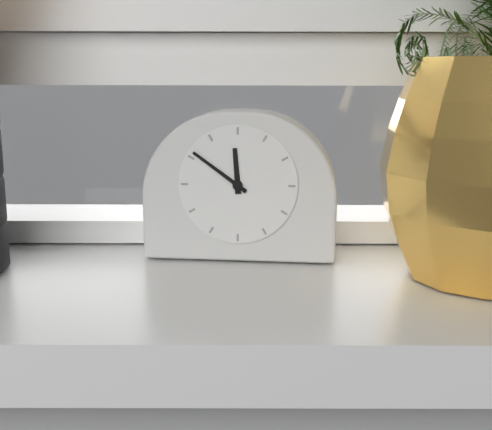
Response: **11:51**
